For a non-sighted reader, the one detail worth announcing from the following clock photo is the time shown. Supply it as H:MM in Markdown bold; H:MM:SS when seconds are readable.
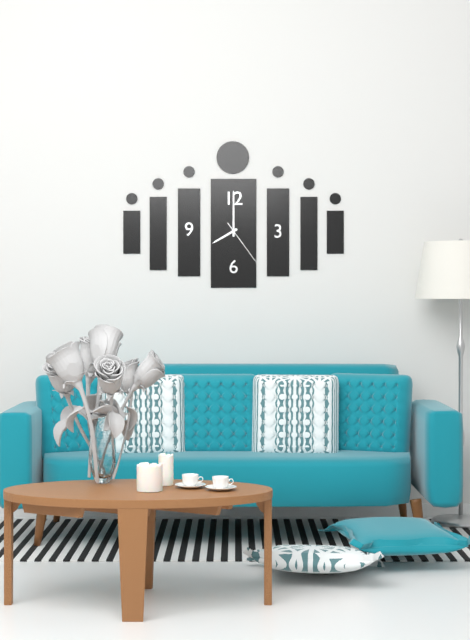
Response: **8:00**
